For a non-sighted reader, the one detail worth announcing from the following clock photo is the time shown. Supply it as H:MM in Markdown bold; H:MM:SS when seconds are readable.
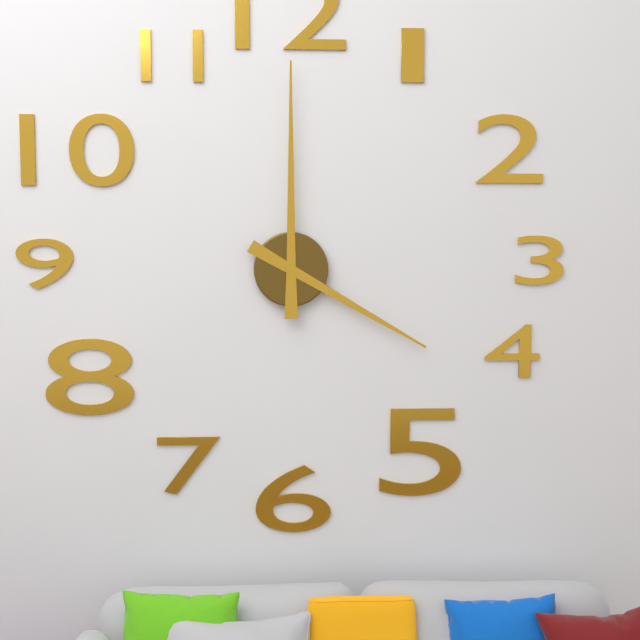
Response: **4:00**
